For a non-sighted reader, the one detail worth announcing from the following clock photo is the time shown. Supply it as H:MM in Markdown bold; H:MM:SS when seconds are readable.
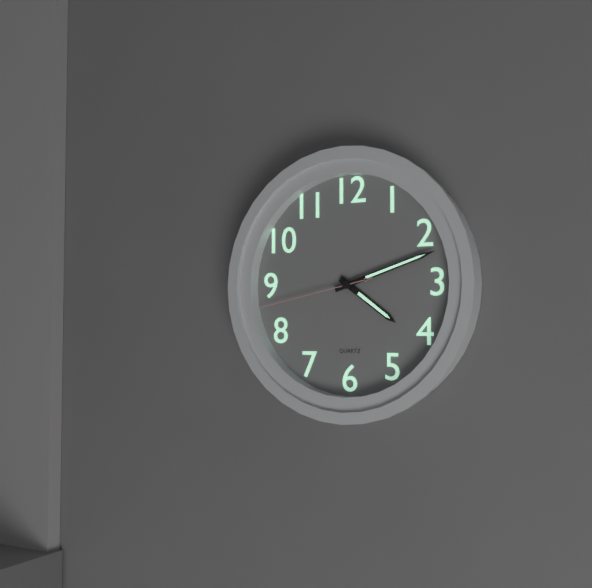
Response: **4:12:43**
